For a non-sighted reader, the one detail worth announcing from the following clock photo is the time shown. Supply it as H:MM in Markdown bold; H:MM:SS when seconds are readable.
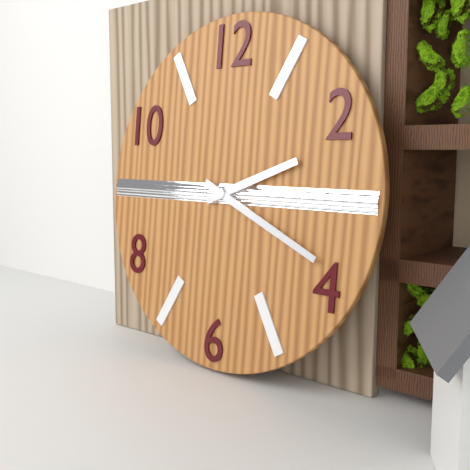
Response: **2:19**
